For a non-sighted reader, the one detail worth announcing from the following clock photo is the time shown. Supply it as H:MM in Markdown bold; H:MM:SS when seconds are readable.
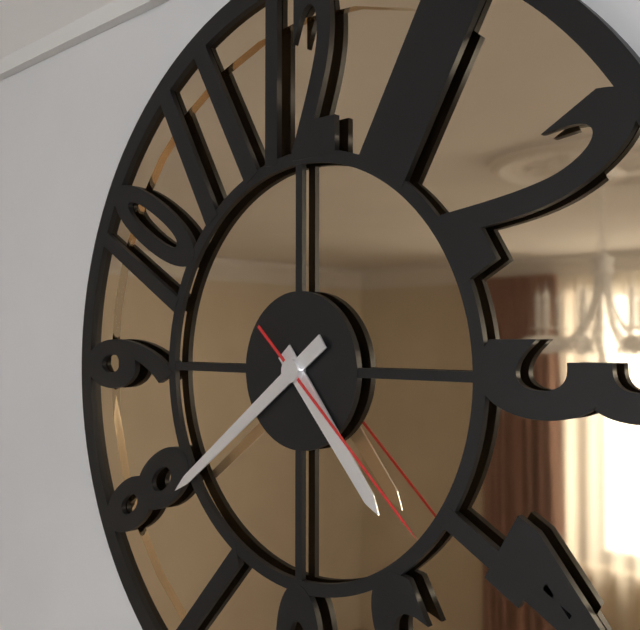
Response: **4:39:22**
